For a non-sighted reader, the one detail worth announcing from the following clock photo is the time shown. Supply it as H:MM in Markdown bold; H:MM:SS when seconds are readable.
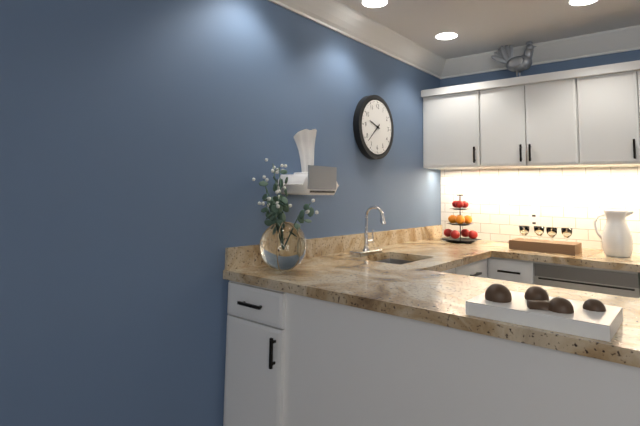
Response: **9:38**
